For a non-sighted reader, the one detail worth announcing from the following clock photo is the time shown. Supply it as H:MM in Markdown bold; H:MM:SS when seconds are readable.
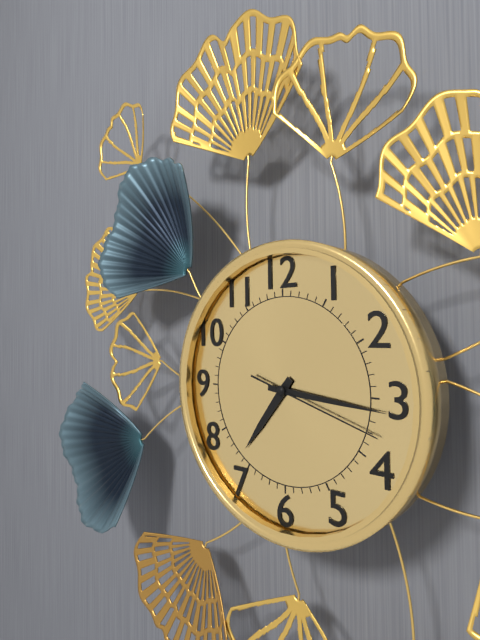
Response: **7:16:18**
